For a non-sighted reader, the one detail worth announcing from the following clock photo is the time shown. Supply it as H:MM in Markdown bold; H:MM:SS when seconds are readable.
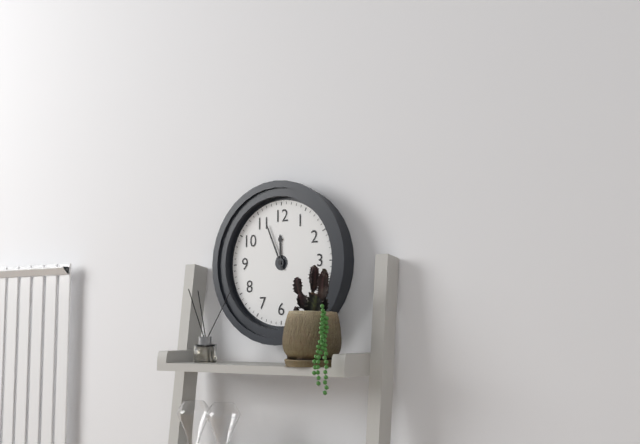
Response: **11:56**
